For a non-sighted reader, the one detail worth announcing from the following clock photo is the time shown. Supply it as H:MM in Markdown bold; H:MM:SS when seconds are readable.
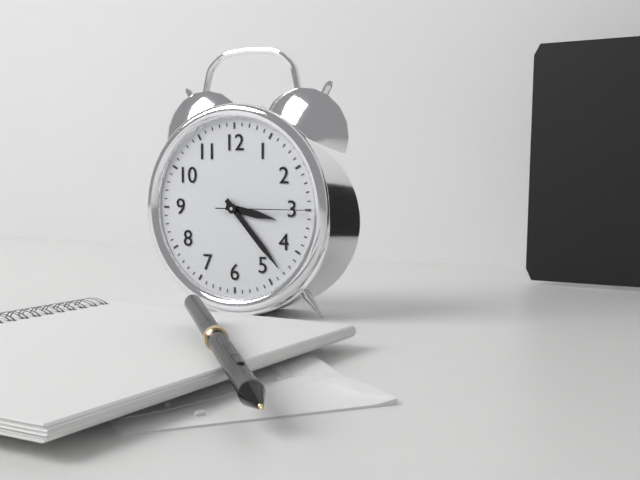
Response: **3:23:15**
